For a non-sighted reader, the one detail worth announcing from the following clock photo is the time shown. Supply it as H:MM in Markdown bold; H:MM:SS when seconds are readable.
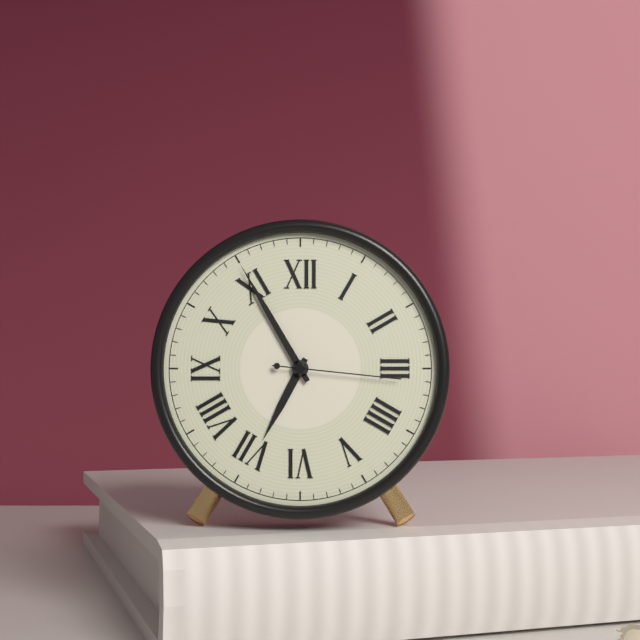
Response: **6:55:16**
